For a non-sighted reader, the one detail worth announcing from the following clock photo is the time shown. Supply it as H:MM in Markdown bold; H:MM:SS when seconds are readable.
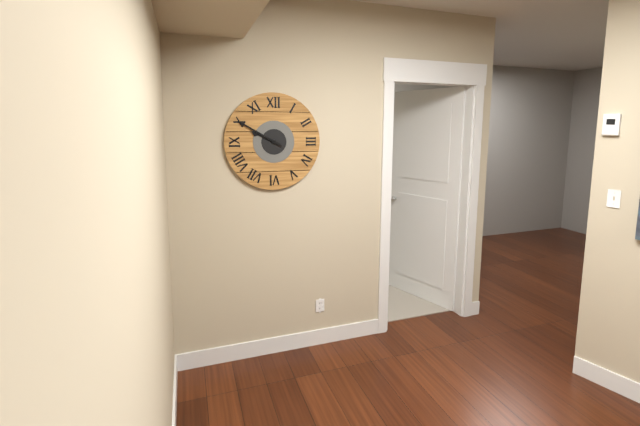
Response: **9:50**
